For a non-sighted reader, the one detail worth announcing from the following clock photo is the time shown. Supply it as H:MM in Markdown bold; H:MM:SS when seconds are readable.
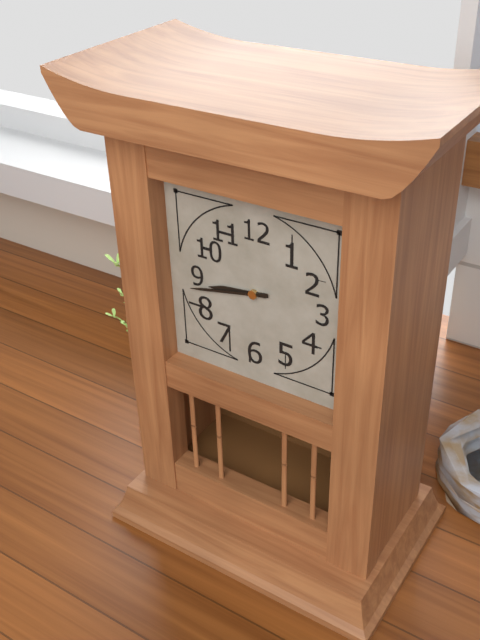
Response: **8:43**
